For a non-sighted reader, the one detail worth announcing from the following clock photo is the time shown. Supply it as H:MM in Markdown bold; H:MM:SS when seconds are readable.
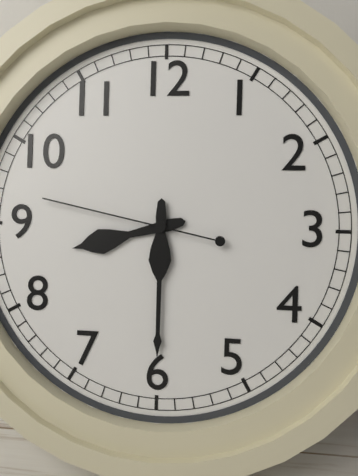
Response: **8:30:47**
